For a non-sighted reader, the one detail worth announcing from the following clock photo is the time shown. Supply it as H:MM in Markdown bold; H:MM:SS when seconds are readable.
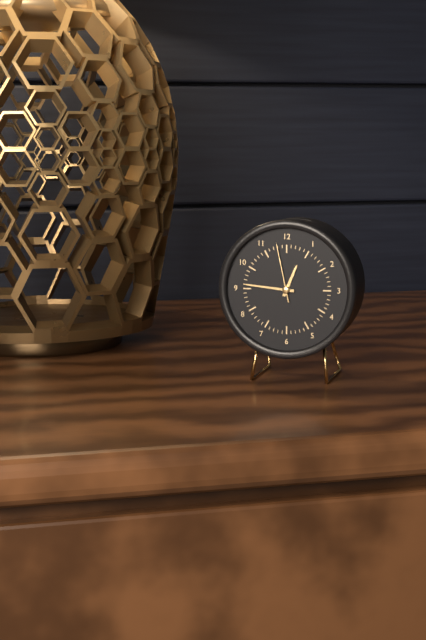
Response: **12:46:58**
